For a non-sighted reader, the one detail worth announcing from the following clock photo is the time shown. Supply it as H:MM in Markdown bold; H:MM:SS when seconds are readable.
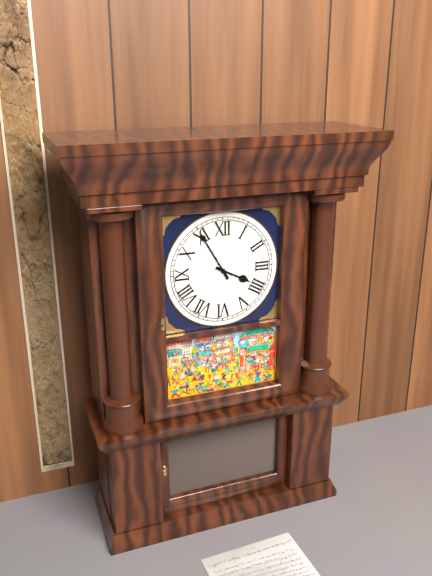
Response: **3:55**
